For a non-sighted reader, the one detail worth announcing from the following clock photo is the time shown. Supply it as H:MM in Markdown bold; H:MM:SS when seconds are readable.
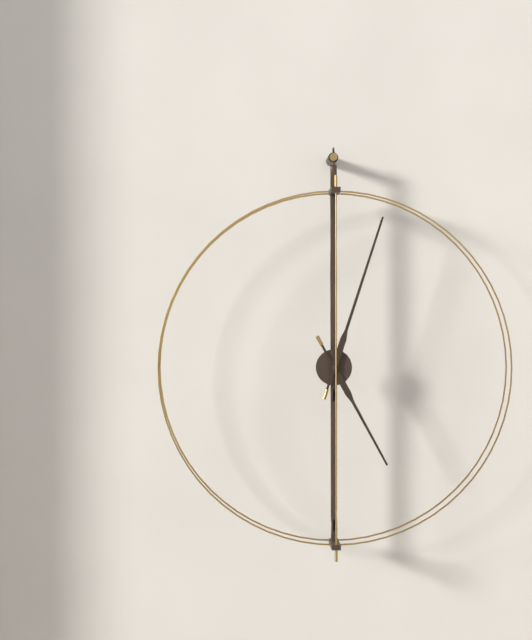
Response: **5:03**
